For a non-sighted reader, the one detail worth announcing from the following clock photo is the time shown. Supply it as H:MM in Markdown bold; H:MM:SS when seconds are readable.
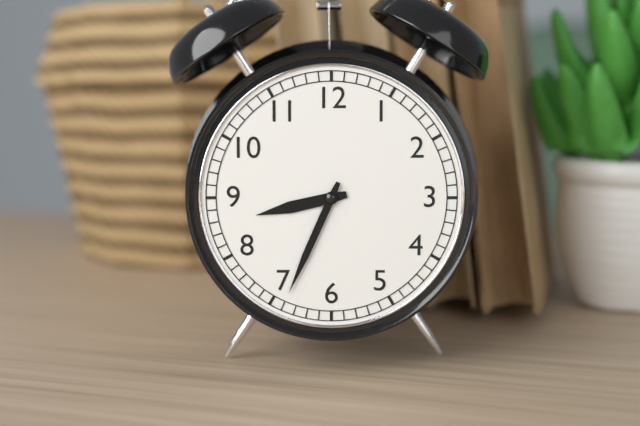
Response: **8:34**
